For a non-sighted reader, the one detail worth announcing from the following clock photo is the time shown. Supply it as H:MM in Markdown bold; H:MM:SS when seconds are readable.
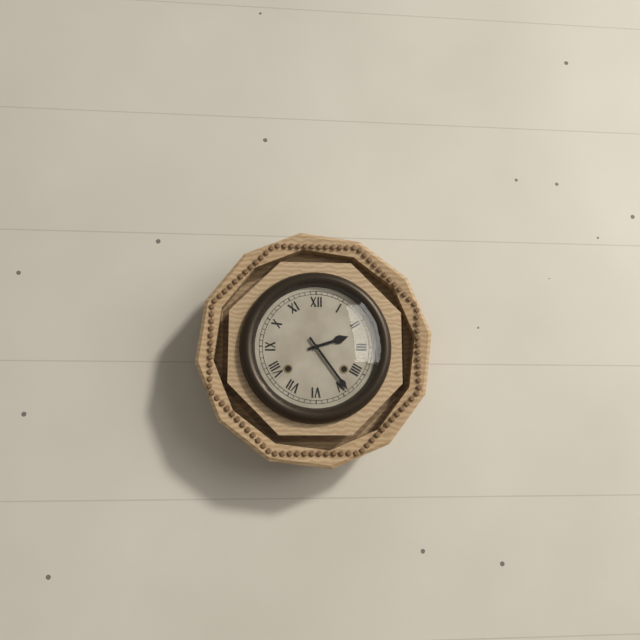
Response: **2:24**
